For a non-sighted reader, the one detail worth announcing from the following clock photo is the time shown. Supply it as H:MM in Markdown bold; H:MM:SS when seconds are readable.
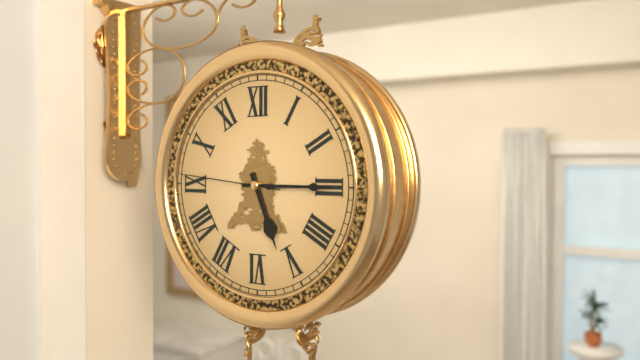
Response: **5:15:46**
